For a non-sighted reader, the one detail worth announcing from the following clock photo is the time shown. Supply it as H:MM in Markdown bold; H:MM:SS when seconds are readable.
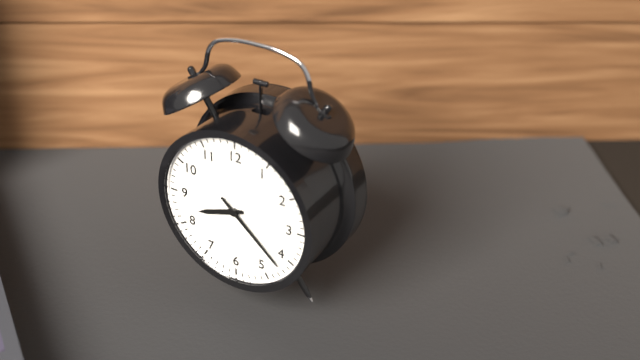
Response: **8:22**
